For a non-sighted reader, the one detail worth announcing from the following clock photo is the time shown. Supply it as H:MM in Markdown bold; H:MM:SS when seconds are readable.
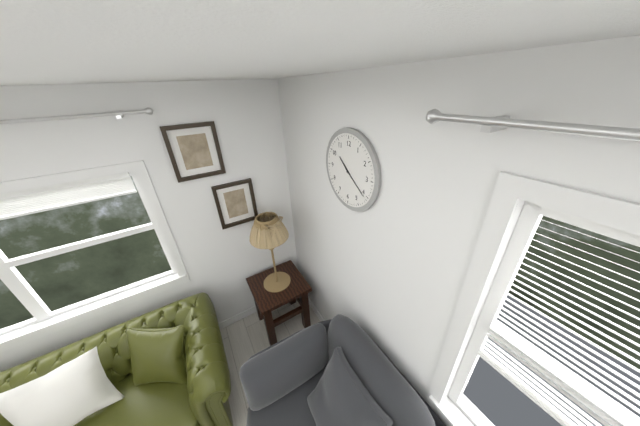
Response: **10:21**
